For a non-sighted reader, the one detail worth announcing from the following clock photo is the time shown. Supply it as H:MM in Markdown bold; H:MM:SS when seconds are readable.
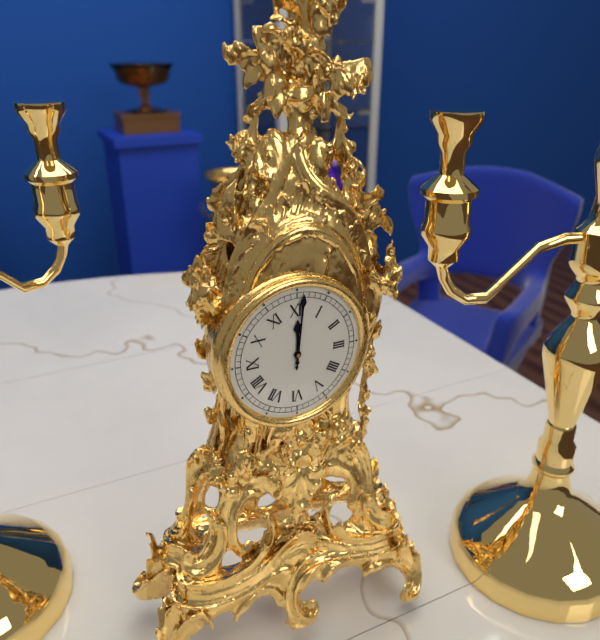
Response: **12:01**
